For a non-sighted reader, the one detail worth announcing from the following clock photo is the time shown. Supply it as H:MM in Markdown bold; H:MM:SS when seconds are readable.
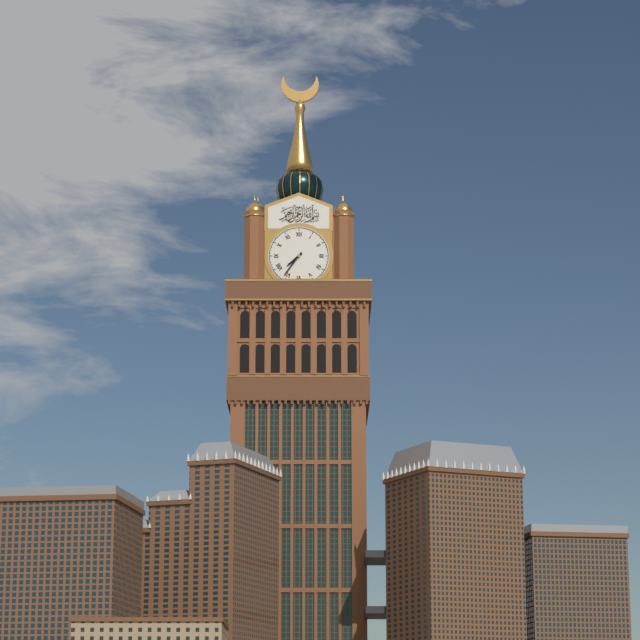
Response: **7:36**
